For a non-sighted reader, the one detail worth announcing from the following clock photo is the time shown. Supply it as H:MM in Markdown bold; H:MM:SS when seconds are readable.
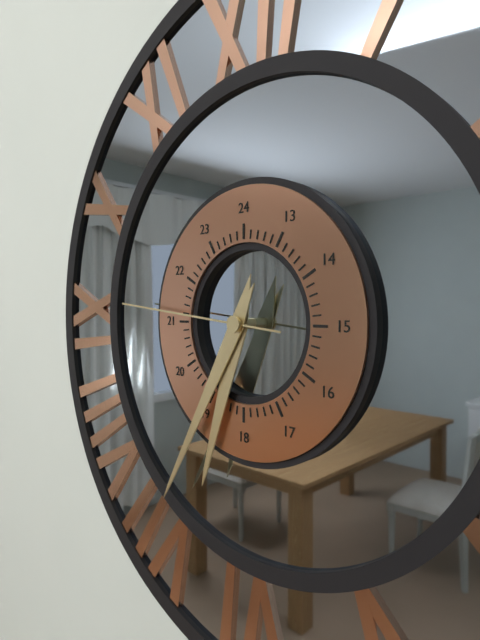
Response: **6:35:46**
